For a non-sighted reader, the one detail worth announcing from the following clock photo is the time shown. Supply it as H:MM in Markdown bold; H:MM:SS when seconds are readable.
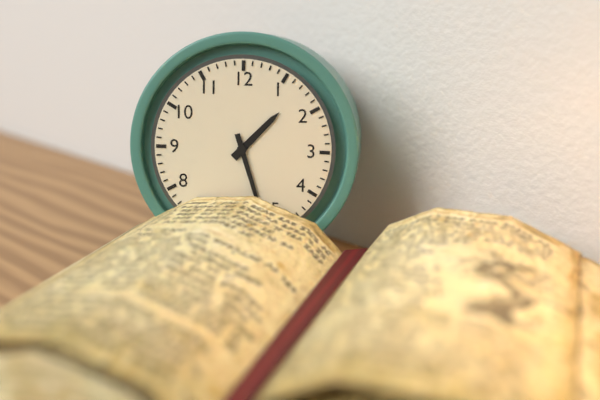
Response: **1:27**
